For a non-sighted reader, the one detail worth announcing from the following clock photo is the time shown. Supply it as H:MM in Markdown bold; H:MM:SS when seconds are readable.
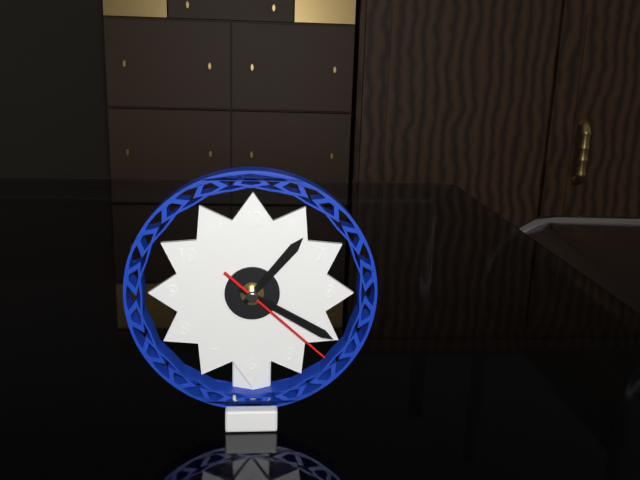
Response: **1:20:22**
